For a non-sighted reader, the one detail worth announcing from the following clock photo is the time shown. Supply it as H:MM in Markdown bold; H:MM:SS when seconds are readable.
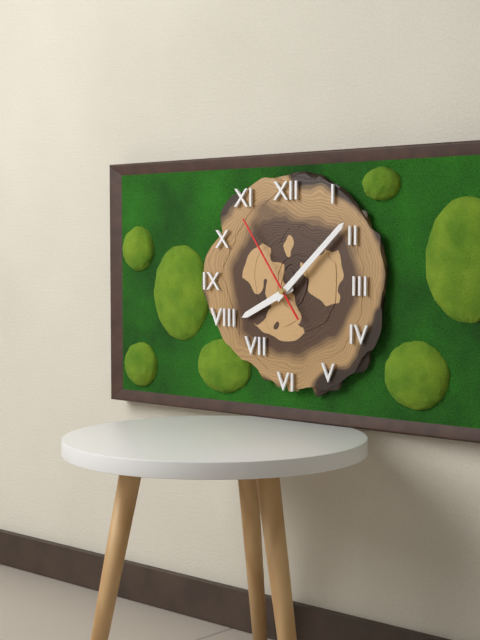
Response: **8:08:54**
